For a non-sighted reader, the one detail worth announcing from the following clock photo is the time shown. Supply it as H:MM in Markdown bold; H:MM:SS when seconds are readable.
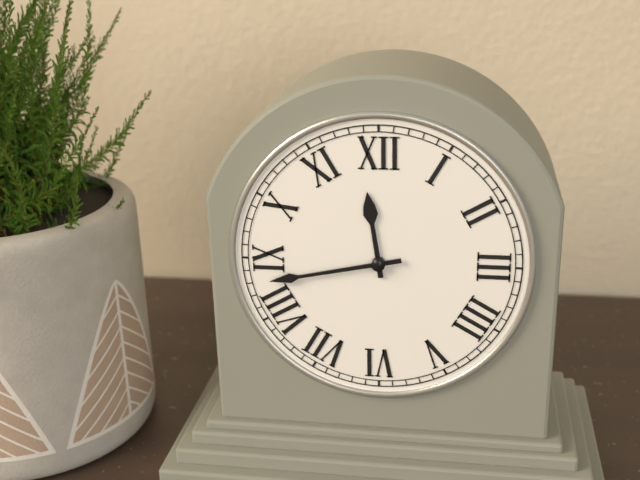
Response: **11:43**
